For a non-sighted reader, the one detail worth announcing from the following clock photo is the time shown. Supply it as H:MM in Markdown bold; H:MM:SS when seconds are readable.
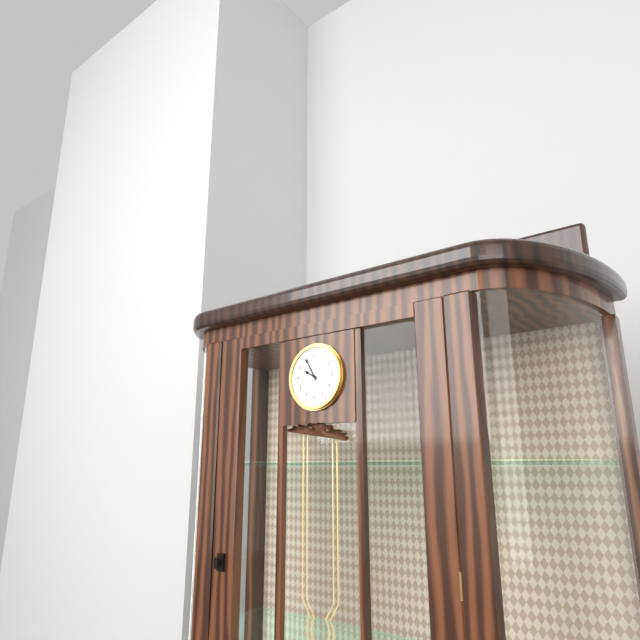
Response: **9:55**
